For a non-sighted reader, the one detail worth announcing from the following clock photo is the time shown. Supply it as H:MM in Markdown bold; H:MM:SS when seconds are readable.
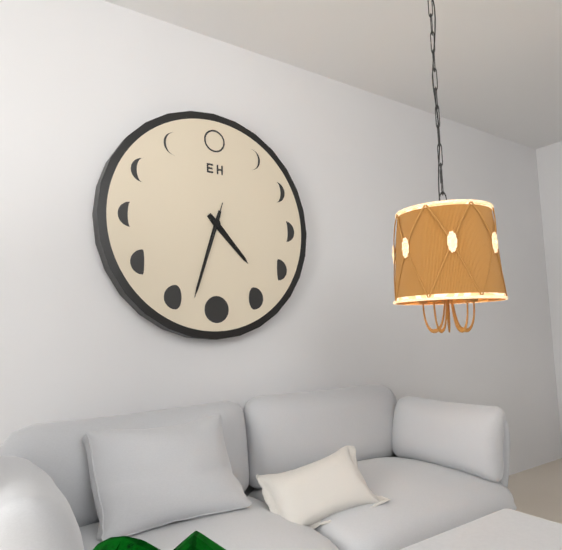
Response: **4:33:33**
